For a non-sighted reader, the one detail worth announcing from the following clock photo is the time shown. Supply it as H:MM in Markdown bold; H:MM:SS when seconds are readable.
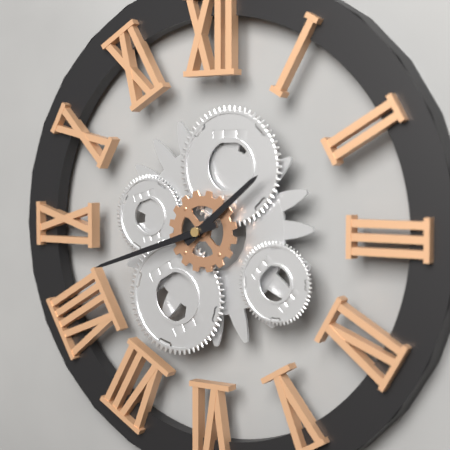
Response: **1:42**
